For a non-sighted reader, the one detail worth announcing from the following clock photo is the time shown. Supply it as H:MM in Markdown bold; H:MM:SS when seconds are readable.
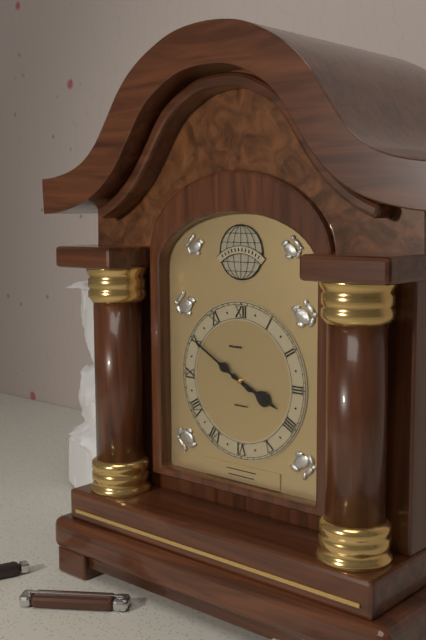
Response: **3:50**
